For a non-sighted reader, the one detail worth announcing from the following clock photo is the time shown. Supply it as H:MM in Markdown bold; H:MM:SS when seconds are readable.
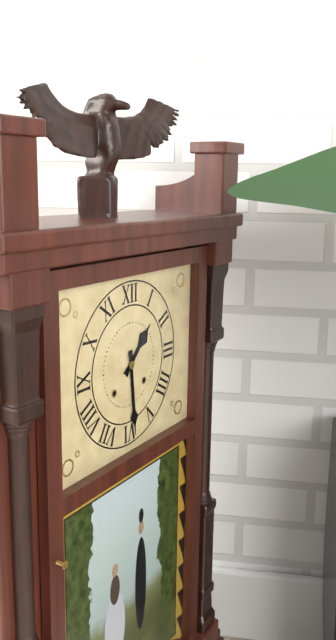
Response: **1:29**
